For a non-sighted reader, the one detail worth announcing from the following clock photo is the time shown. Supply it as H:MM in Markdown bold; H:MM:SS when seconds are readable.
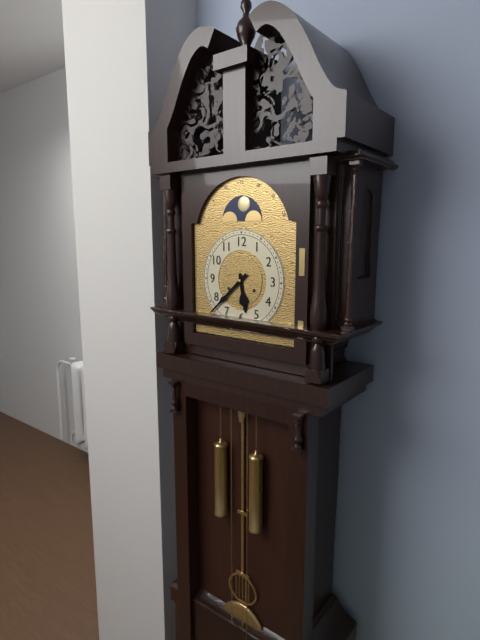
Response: **5:38**
